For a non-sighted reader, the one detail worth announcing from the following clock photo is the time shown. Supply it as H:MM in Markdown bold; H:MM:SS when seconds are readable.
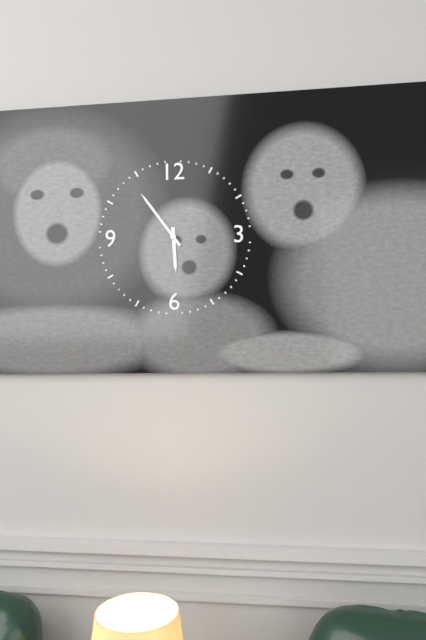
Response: **5:54**
